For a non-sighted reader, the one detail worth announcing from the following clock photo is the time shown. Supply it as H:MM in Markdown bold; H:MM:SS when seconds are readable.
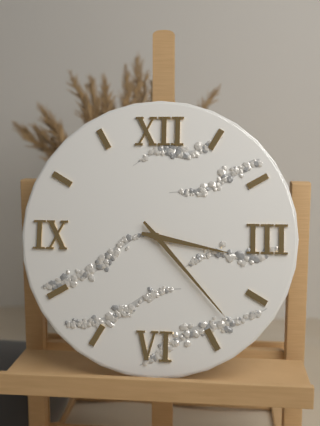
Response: **3:23**
